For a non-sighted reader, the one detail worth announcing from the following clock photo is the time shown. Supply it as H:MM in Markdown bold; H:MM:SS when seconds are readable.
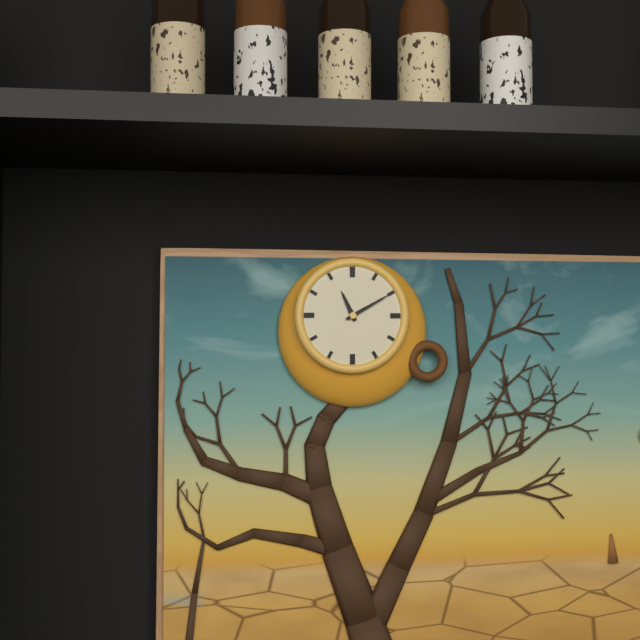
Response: **11:10**
